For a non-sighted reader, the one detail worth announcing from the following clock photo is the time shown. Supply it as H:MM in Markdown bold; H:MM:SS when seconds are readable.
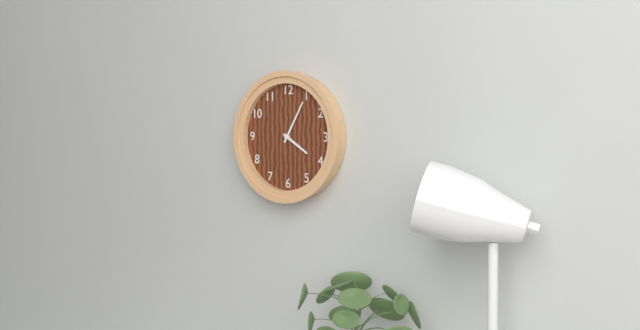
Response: **4:05**
